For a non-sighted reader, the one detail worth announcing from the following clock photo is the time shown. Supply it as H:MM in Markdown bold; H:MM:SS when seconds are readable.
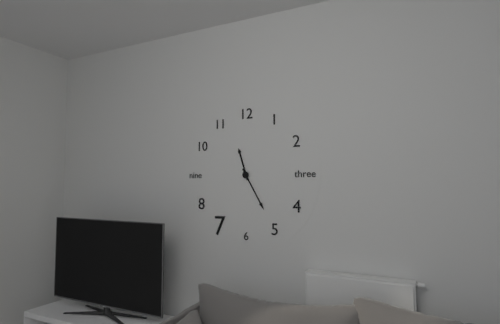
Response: **11:25**
